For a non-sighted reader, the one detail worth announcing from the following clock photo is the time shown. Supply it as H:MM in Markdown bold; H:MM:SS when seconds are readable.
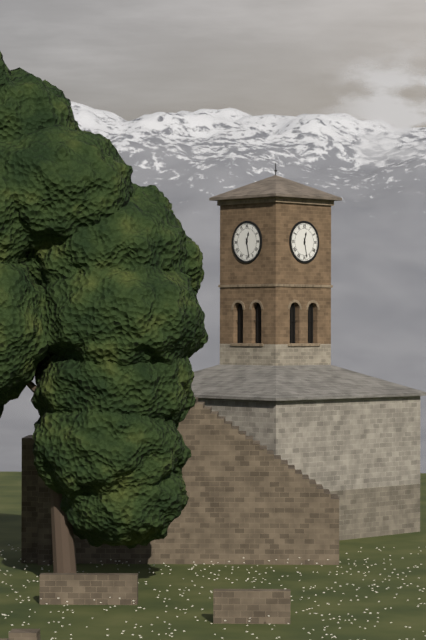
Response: **12:28**
